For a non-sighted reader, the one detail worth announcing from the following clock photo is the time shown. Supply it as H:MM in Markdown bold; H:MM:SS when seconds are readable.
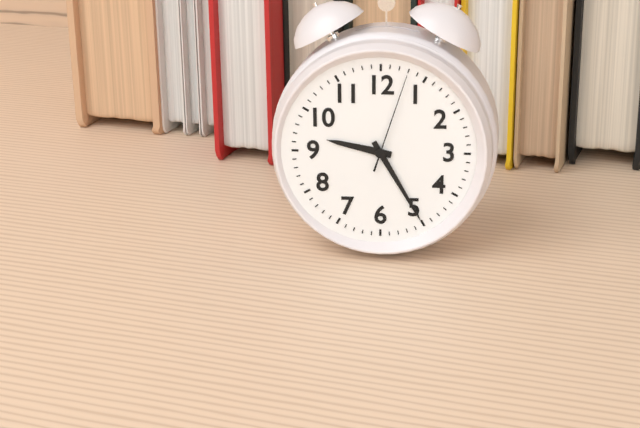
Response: **9:25:03**
